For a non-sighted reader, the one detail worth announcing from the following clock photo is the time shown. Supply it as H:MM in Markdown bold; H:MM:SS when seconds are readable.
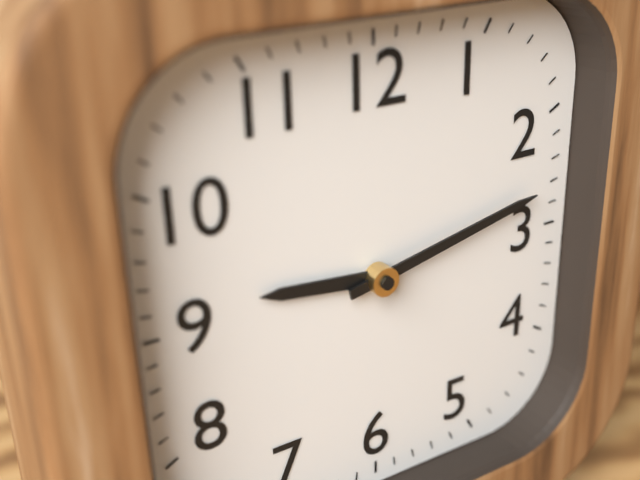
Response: **9:13**
